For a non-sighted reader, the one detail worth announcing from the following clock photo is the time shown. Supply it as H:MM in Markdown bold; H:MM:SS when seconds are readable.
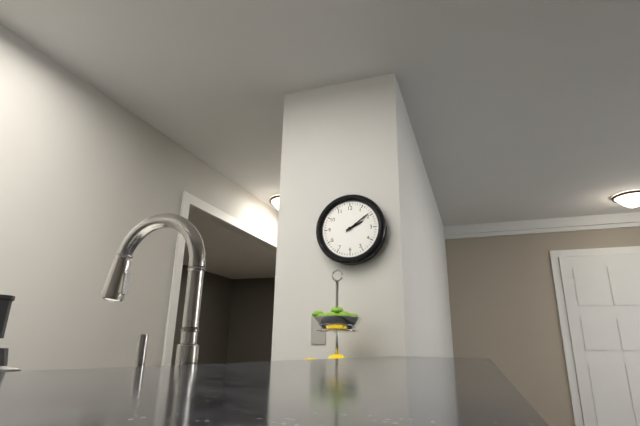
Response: **2:09**
